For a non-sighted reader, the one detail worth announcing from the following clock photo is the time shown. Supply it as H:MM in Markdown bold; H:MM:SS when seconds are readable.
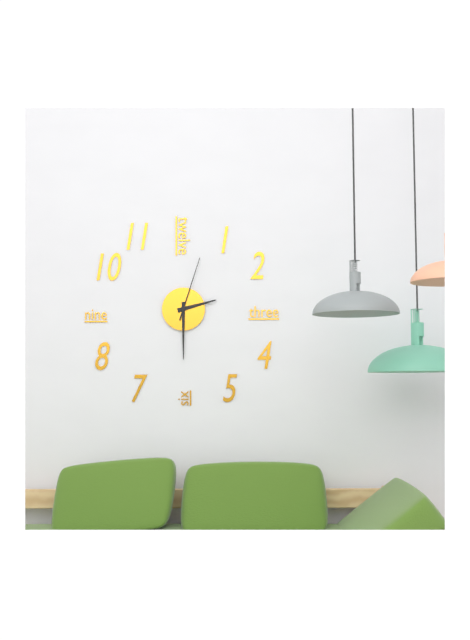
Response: **2:30:03**
